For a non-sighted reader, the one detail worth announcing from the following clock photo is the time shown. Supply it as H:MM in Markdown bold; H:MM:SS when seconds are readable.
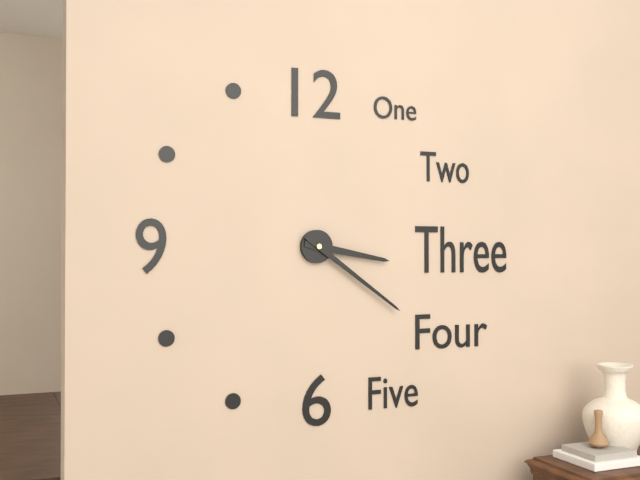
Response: **3:21**
